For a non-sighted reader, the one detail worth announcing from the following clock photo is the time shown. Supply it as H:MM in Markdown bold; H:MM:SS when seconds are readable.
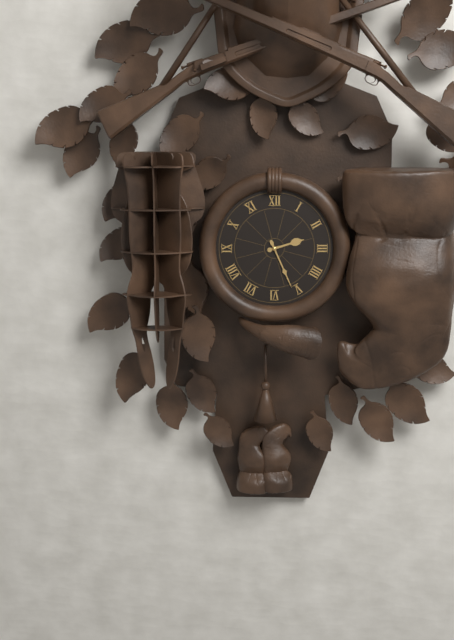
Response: **2:26**
